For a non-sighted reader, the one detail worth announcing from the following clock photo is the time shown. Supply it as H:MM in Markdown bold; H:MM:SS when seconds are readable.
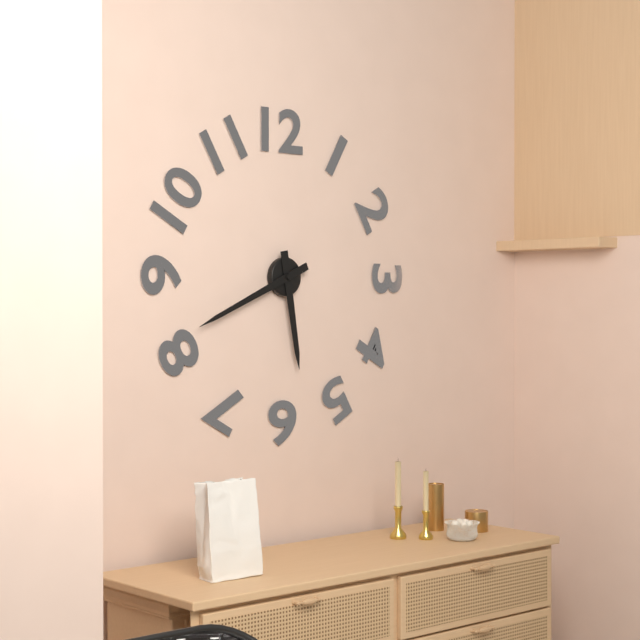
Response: **5:41**
